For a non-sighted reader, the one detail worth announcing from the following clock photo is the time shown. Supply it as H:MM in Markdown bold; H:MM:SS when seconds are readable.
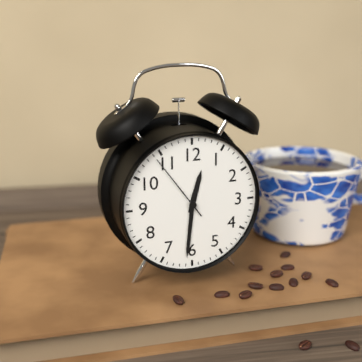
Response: **12:31:54**
